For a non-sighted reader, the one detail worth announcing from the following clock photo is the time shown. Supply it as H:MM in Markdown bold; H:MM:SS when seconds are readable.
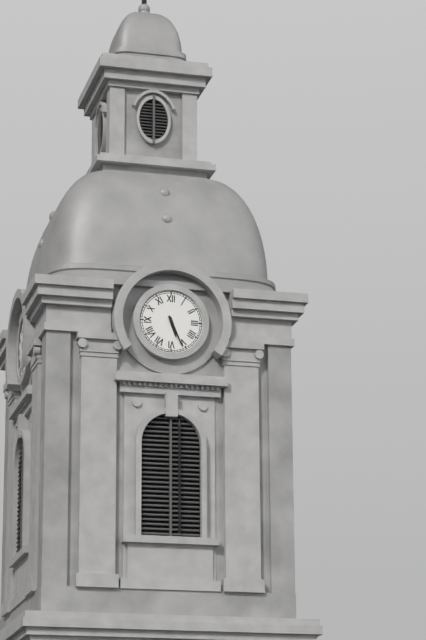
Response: **5:26**
